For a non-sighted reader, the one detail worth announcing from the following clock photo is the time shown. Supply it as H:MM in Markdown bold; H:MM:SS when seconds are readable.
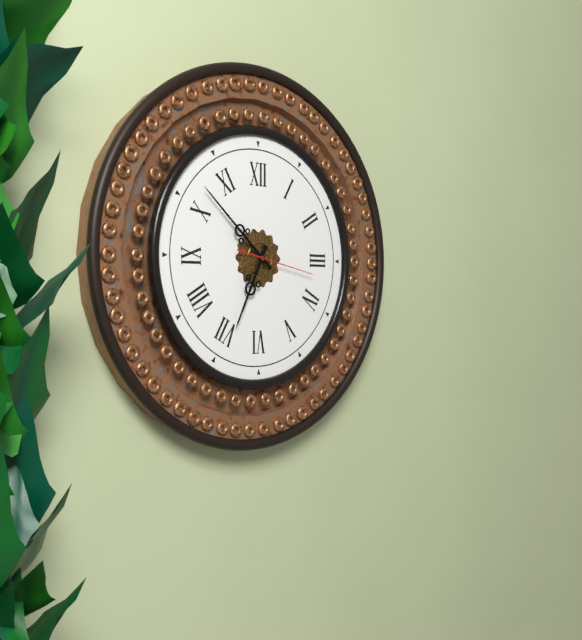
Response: **6:52:17**
